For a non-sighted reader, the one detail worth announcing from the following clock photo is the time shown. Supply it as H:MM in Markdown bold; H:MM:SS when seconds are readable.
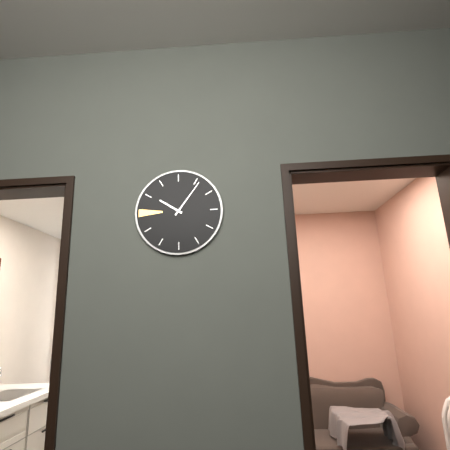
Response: **10:06**
